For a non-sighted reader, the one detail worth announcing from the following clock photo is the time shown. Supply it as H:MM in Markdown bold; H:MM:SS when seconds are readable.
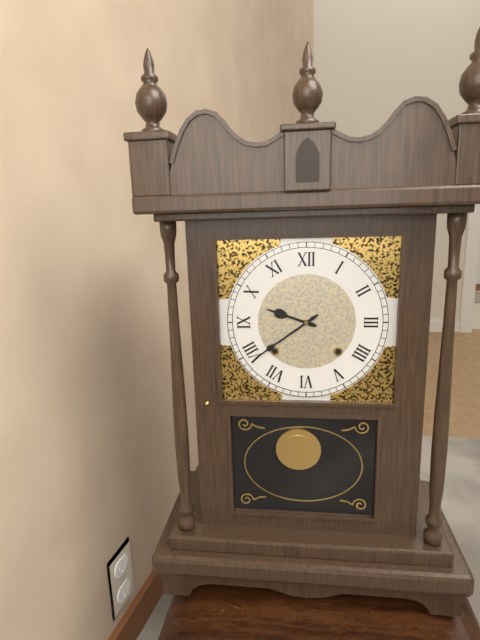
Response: **9:39**
